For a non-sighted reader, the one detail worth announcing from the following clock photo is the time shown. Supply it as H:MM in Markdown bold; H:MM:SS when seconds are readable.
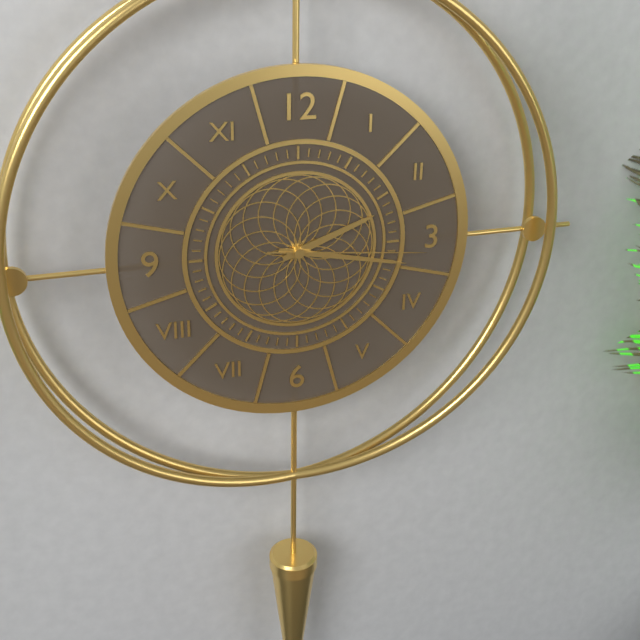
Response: **2:17:16**
